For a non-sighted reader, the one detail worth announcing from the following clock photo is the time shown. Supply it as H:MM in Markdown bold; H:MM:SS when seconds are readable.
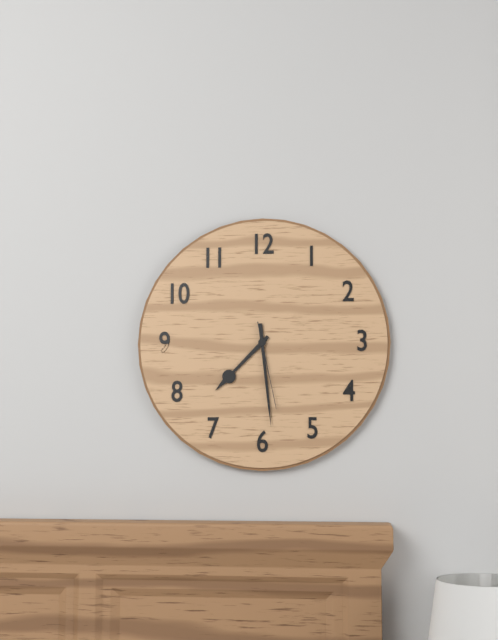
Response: **7:29:28**
